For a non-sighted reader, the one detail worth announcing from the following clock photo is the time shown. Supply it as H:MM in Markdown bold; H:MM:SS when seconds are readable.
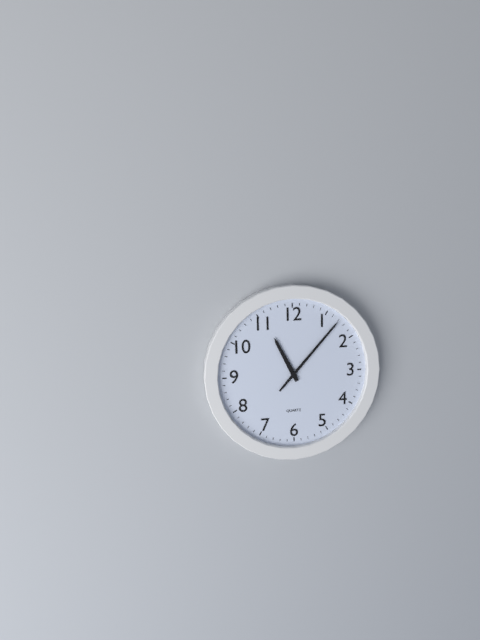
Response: **11:07**
